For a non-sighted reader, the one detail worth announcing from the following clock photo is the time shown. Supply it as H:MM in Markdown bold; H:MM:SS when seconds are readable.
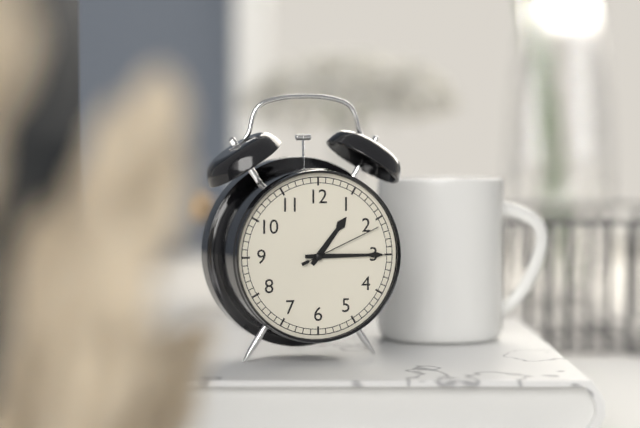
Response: **1:15:11**
